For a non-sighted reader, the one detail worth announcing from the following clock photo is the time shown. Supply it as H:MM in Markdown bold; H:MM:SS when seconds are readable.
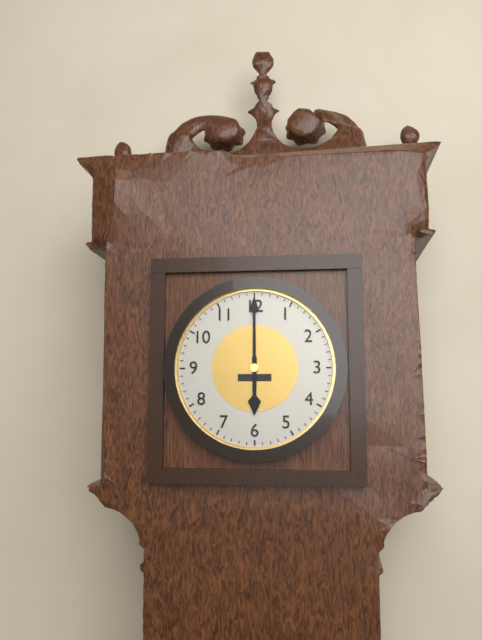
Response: **6:00**
